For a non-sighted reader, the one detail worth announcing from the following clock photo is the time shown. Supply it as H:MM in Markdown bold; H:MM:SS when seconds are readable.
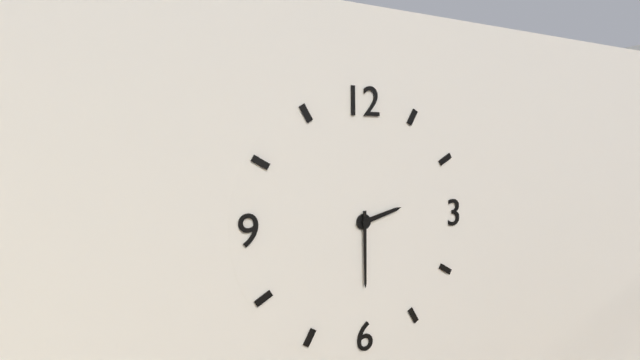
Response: **2:30**
